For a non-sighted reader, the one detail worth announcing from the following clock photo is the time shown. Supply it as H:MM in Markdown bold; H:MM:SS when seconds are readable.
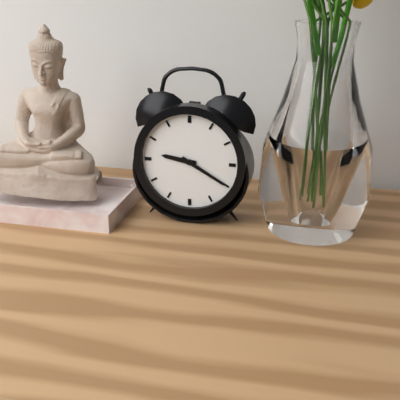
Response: **9:20**
